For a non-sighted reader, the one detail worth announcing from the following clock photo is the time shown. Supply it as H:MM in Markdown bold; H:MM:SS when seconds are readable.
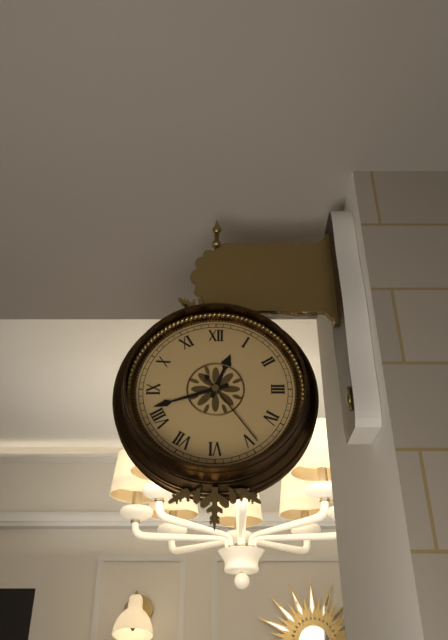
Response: **12:42:24**
